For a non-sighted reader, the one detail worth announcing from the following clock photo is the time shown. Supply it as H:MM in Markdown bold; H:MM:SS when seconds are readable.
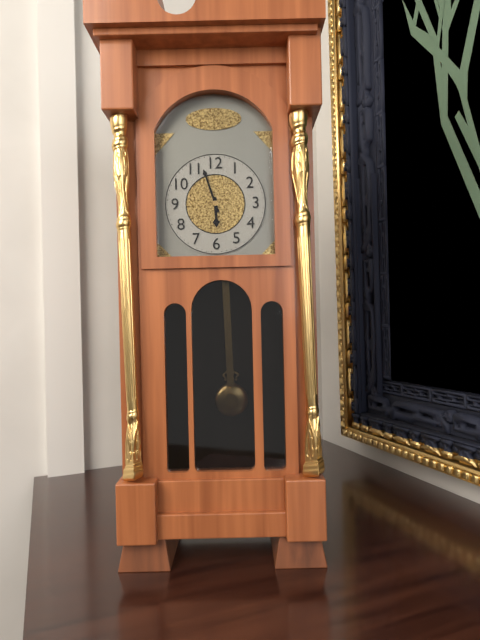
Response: **5:57**
